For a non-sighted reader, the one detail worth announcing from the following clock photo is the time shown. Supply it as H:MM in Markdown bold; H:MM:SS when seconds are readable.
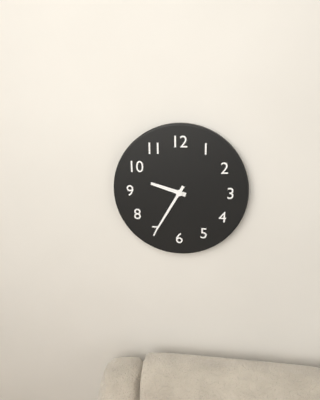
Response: **9:35**
